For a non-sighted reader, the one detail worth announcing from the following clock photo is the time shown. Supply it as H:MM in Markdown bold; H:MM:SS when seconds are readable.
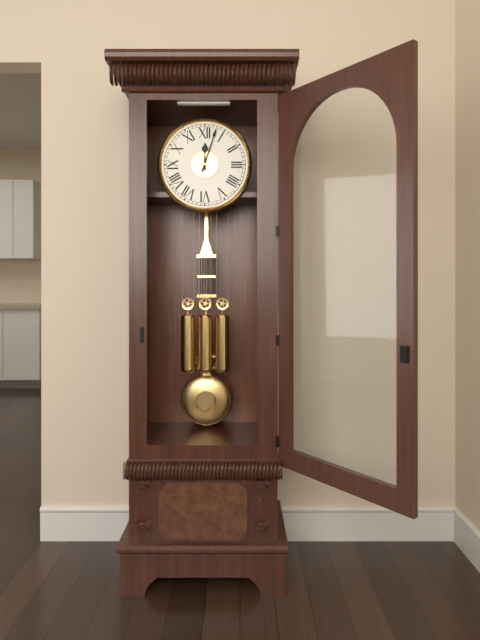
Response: **12:03**
